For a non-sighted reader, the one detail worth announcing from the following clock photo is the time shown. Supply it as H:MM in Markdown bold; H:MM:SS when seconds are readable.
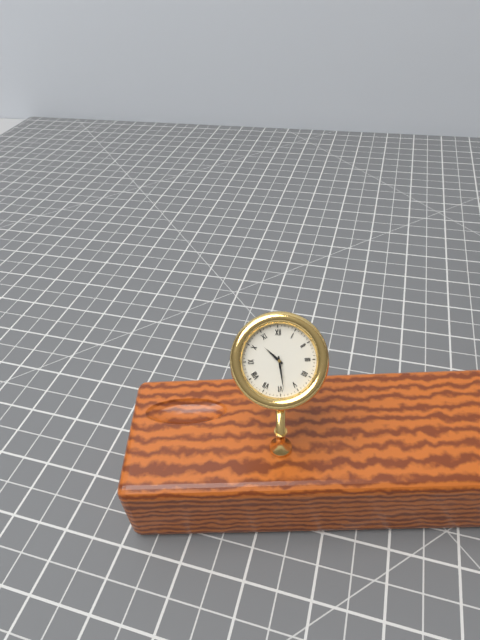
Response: **10:29**
